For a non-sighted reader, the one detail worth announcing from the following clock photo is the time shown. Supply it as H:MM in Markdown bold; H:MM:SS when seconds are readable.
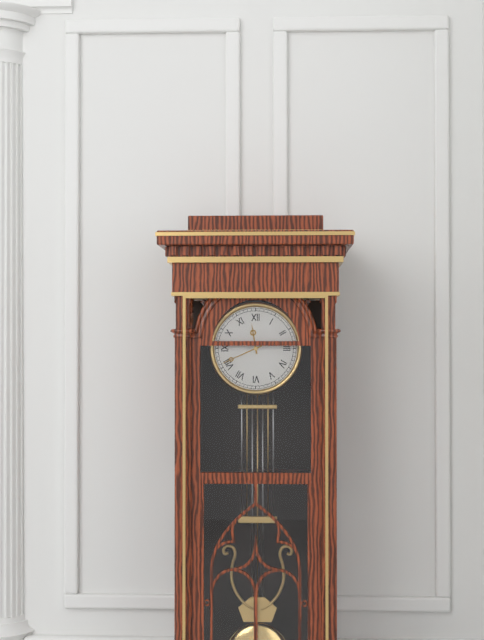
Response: **11:41**
